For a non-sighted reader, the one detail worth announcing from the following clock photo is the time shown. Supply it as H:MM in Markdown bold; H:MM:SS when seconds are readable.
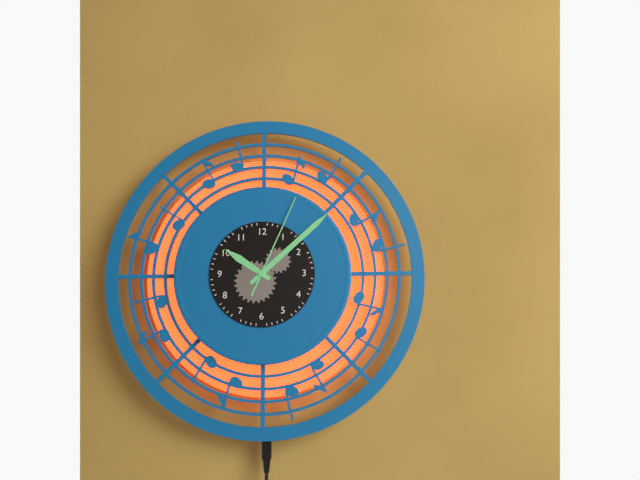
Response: **10:08:04**
